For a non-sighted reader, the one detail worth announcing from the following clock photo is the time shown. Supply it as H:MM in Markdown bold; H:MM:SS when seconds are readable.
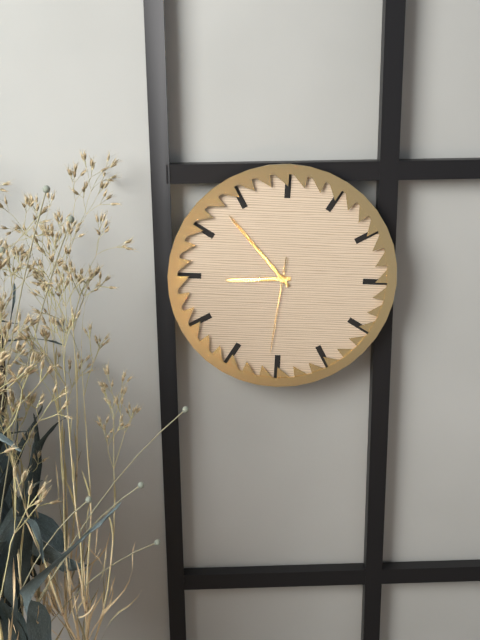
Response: **8:53:31**
